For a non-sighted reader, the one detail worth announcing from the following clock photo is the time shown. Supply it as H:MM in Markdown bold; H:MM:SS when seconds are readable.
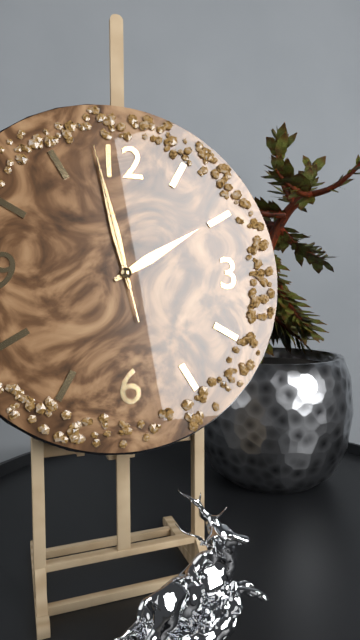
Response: **1:58:58**
